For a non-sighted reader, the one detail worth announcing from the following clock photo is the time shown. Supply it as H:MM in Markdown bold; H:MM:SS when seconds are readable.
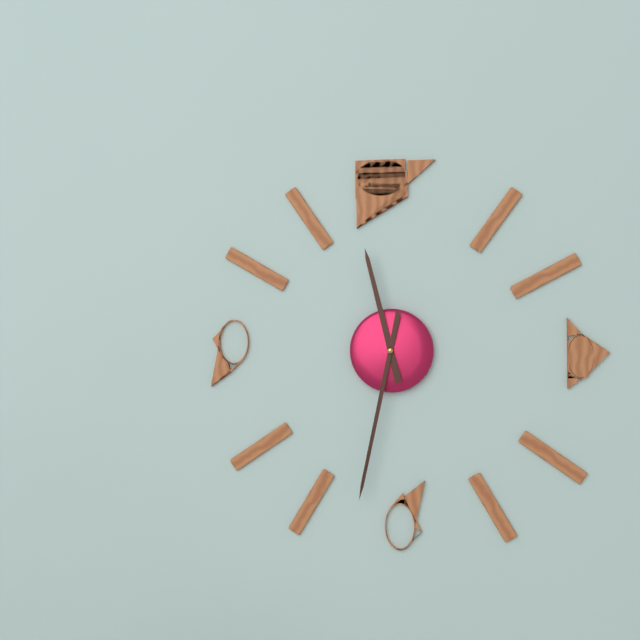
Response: **11:32**
